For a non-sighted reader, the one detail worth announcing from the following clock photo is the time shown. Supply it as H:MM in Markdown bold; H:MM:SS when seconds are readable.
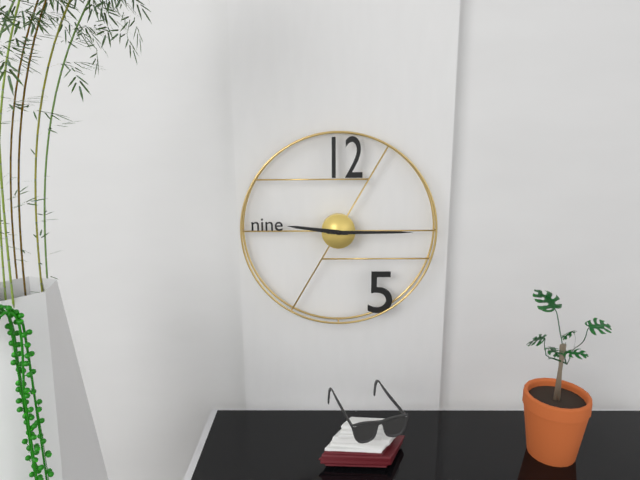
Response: **9:15**
